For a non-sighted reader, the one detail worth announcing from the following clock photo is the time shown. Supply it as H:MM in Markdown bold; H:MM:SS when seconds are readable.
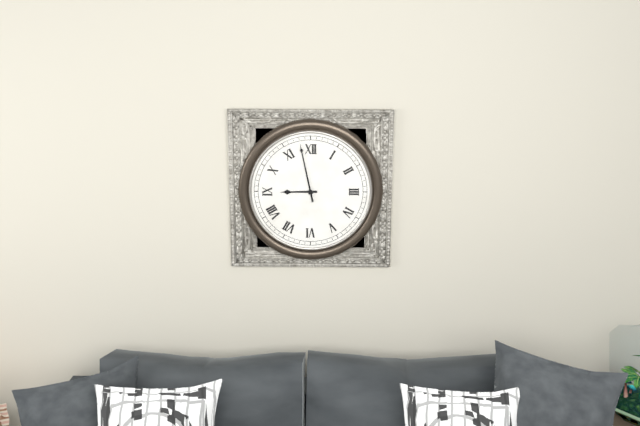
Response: **8:58**
